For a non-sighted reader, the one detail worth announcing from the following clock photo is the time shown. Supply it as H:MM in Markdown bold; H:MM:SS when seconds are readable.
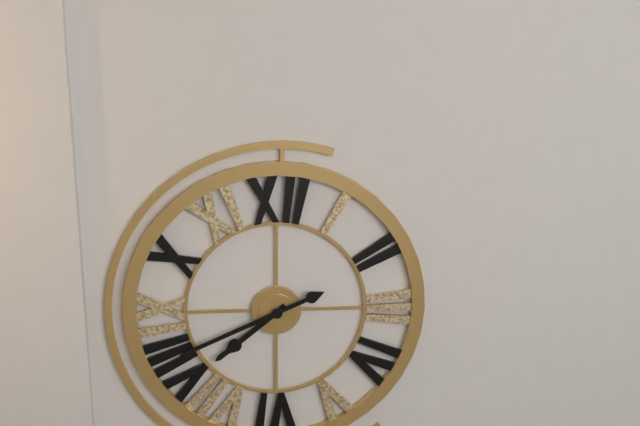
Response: **7:41**
